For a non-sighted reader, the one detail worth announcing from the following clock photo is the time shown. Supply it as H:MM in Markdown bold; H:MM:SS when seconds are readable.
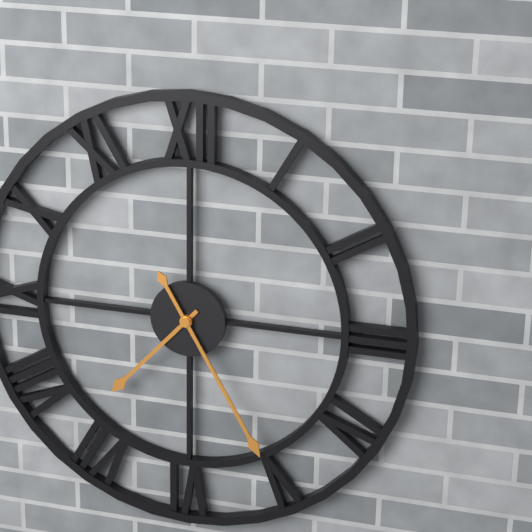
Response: **7:25**
